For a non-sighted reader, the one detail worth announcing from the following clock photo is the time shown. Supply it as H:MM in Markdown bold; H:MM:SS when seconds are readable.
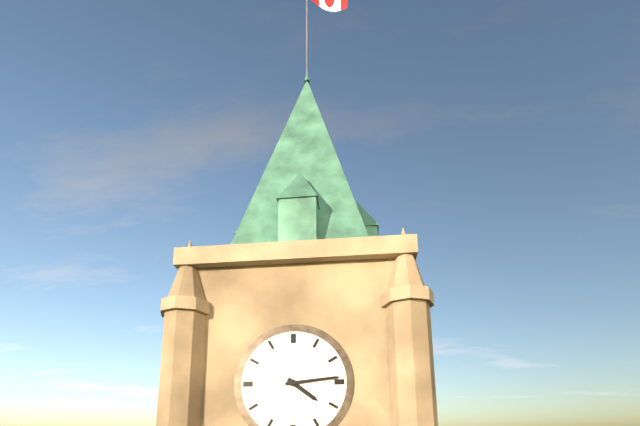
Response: **4:14**
